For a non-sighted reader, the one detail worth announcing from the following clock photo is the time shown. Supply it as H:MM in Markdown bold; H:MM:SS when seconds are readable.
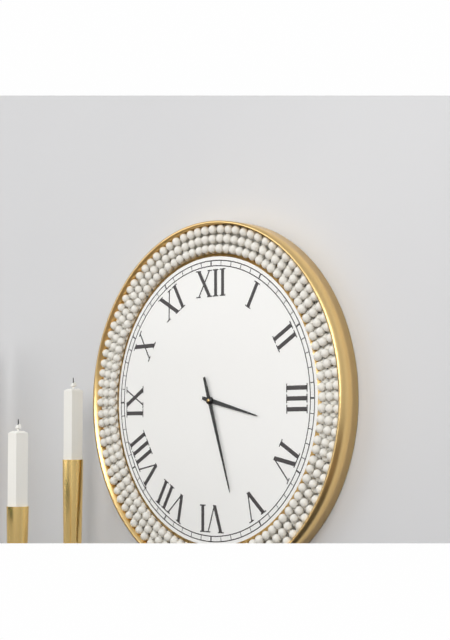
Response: **3:27**
